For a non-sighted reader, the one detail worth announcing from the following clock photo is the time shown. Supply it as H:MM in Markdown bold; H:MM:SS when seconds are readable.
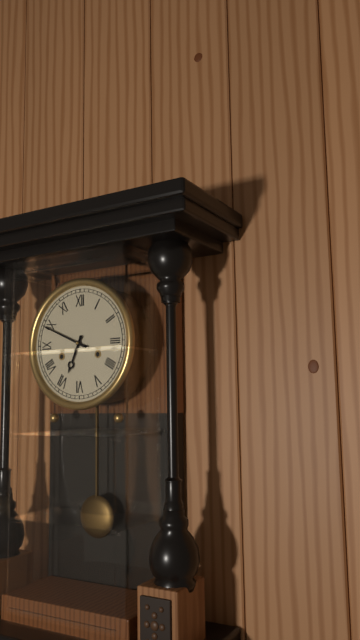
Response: **6:49**
